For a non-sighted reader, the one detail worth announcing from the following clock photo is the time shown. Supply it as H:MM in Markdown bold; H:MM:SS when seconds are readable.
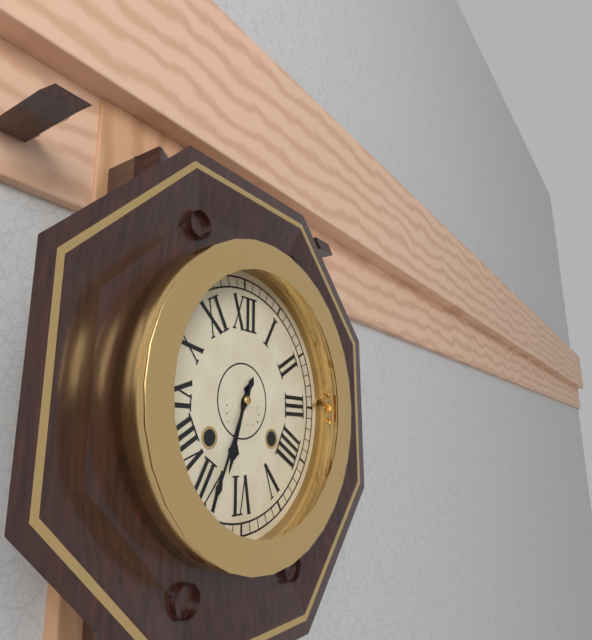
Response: **6:34**
